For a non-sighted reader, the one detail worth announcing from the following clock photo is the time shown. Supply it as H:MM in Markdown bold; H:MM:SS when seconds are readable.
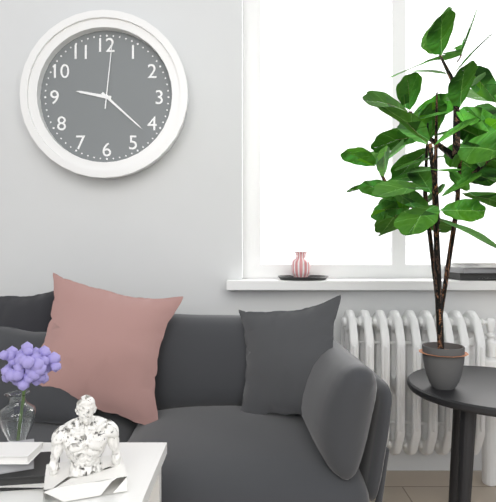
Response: **9:22:01**
